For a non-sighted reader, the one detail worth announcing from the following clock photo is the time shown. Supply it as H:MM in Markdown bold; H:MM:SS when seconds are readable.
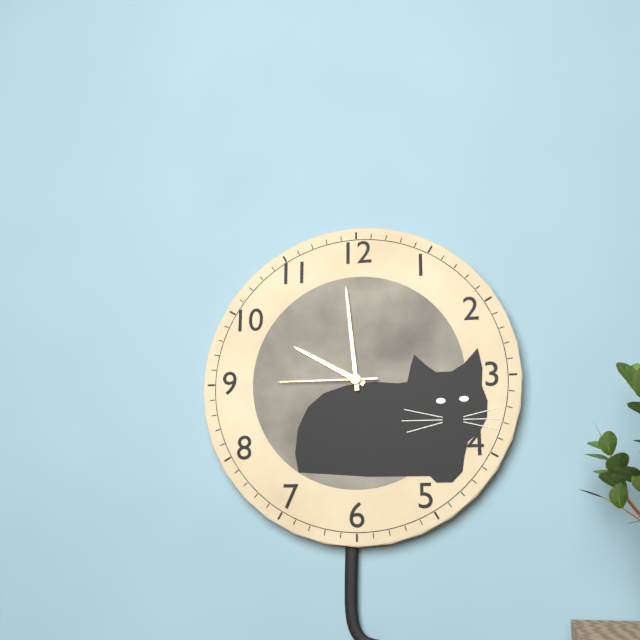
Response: **9:59:45**
